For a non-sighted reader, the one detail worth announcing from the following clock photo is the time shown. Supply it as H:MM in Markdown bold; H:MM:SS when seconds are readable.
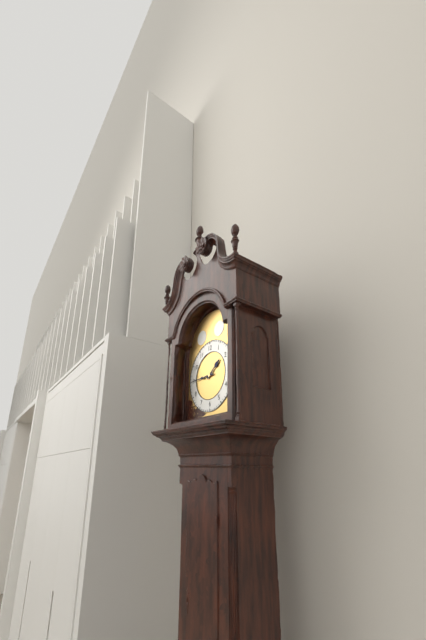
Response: **1:45**
